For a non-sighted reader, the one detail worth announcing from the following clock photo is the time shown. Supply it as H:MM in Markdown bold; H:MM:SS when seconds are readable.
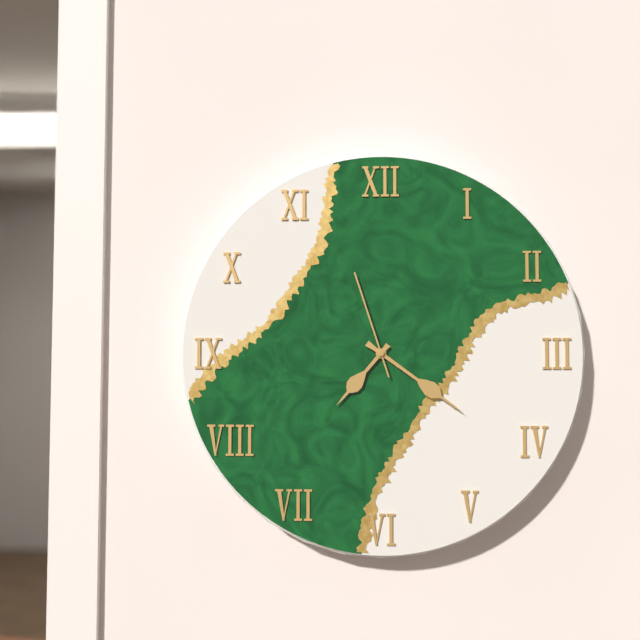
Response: **7:21:57**
